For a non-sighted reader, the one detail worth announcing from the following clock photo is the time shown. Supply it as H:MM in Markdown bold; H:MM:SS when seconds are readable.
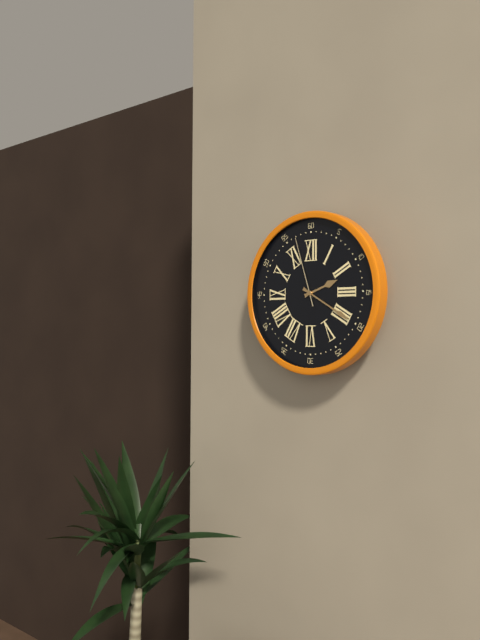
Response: **2:20:57**
